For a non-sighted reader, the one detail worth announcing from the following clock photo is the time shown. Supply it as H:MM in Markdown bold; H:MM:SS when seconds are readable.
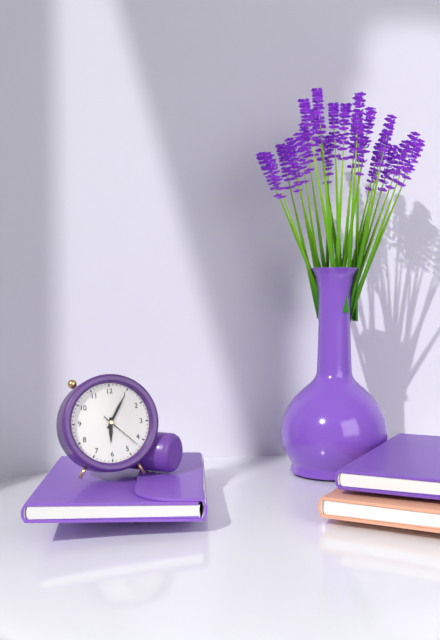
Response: **6:05**
